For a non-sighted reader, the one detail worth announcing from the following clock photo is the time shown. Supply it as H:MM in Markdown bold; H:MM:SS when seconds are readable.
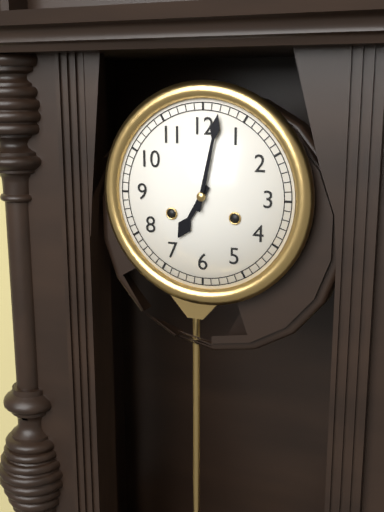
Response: **7:02**
